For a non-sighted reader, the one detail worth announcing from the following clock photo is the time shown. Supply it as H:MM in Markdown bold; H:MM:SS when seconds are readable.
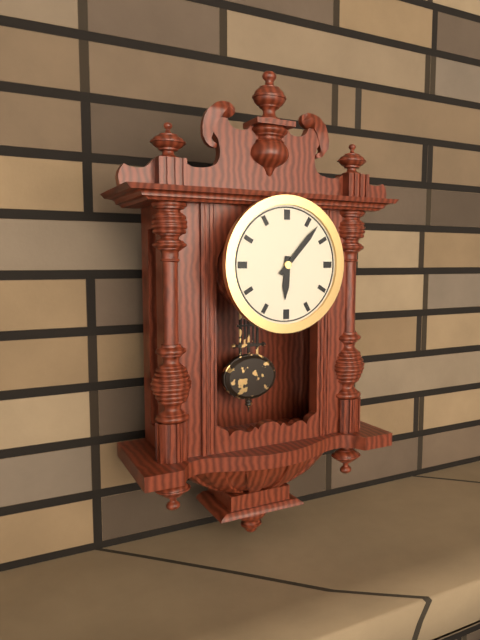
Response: **6:07**
